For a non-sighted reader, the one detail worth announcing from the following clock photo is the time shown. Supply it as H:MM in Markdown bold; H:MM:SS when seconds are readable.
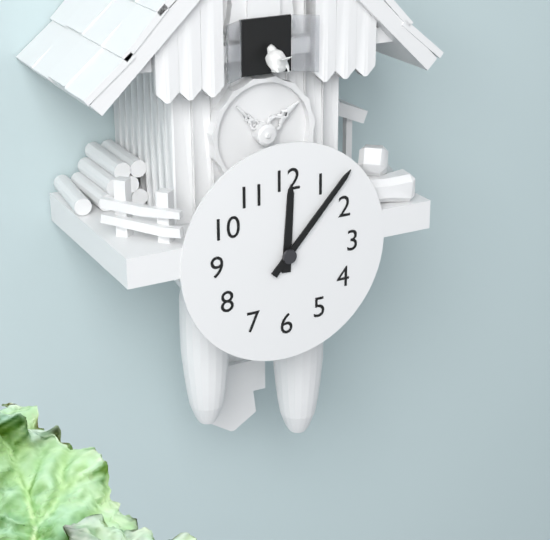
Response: **12:07**
